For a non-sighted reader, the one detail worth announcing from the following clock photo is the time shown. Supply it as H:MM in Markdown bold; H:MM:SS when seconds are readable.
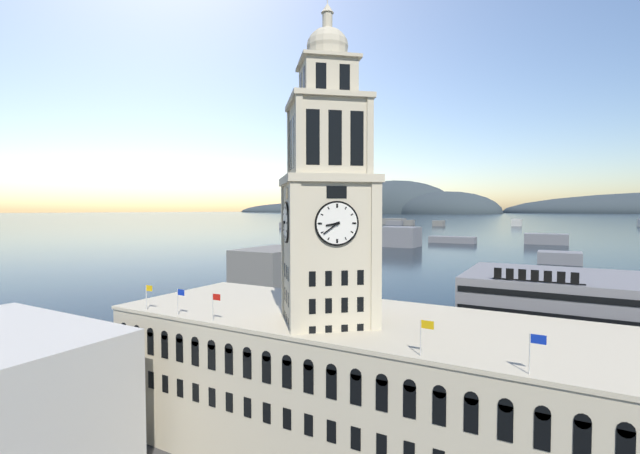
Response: **8:39**
